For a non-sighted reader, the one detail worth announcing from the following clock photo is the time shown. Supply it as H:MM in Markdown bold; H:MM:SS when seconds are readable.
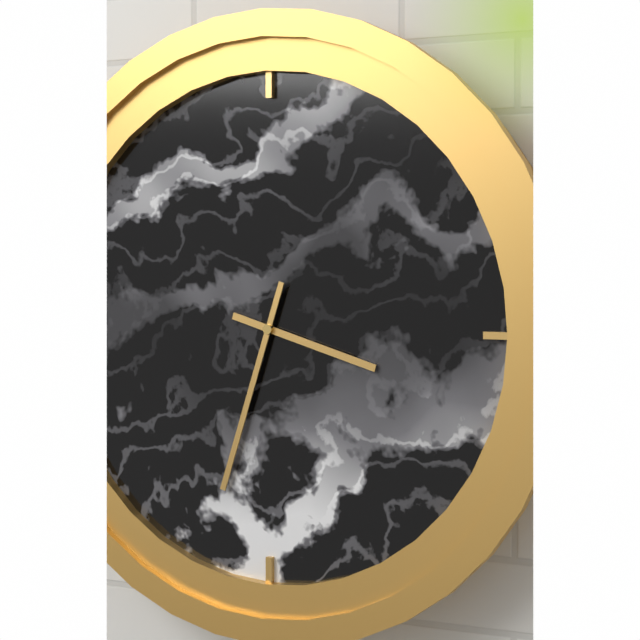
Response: **3:33**
